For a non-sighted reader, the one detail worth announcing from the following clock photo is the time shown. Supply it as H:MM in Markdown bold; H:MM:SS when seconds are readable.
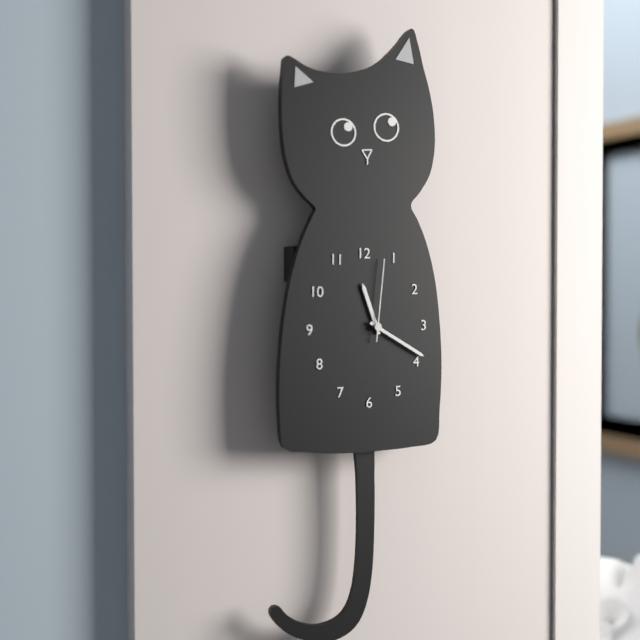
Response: **11:20:01**
